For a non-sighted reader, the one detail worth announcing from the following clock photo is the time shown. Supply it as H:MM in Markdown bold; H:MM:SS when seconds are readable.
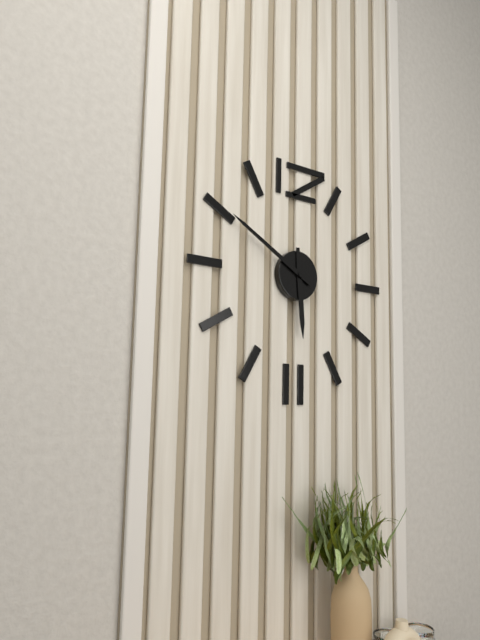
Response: **5:50**
